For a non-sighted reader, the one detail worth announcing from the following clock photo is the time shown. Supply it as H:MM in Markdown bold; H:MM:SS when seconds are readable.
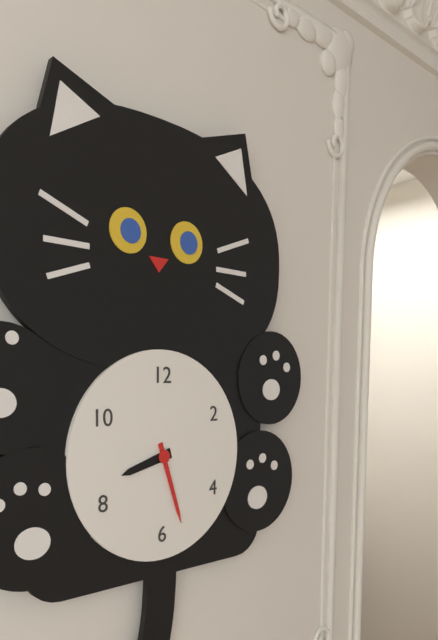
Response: **8:27**
